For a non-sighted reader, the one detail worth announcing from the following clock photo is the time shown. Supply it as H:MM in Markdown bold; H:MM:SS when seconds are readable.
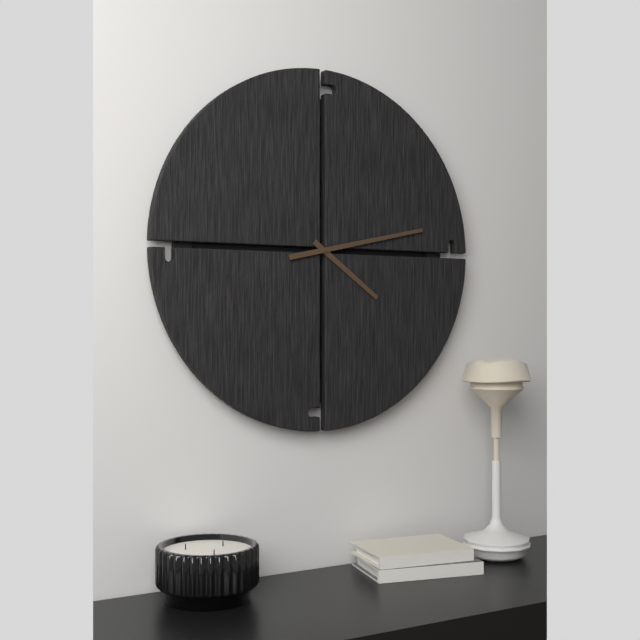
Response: **4:13**
